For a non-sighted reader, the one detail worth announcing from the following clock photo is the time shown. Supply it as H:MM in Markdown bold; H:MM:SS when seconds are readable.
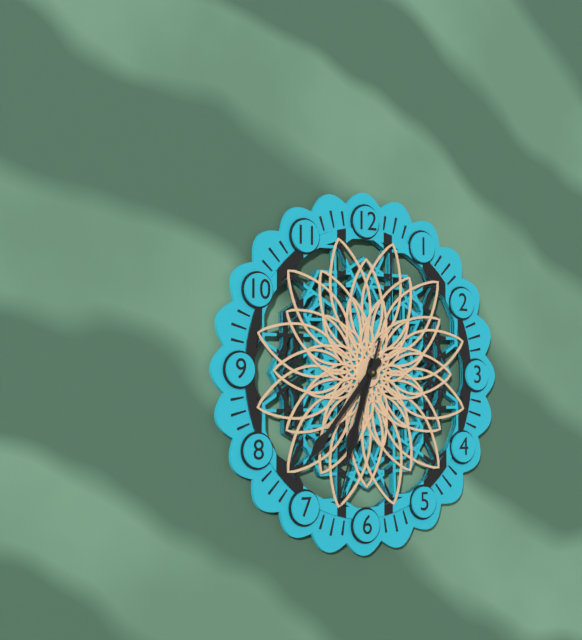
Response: **6:37:33**
